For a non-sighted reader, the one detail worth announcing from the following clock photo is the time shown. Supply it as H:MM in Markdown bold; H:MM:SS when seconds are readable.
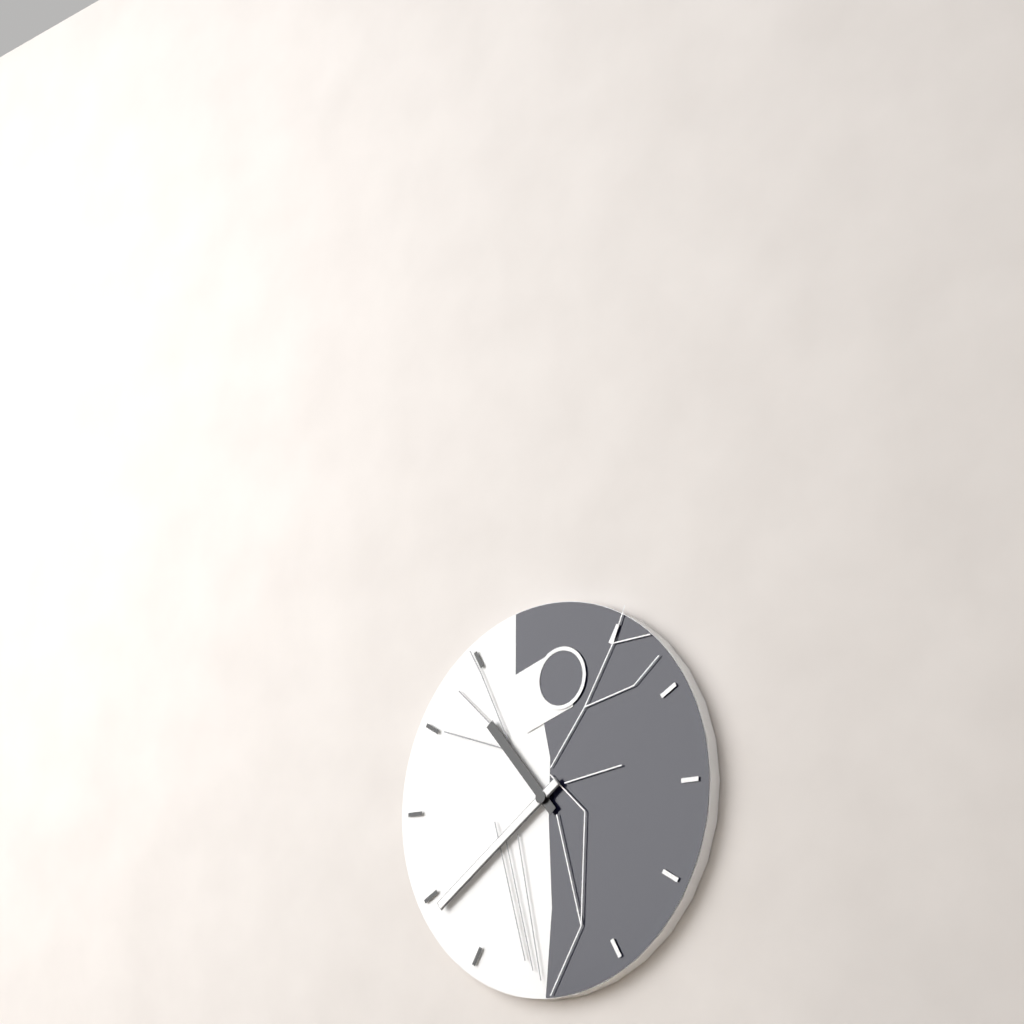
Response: **10:39**
